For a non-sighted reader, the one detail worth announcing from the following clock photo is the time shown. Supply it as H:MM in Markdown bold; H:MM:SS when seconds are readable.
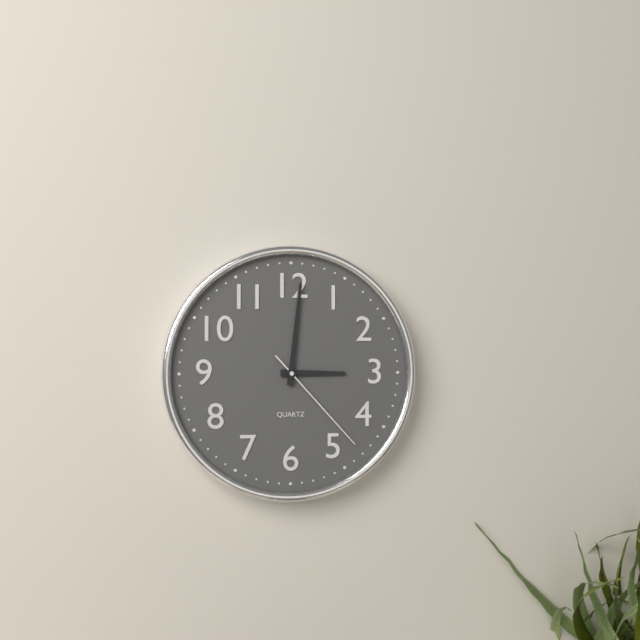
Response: **3:01:23**
